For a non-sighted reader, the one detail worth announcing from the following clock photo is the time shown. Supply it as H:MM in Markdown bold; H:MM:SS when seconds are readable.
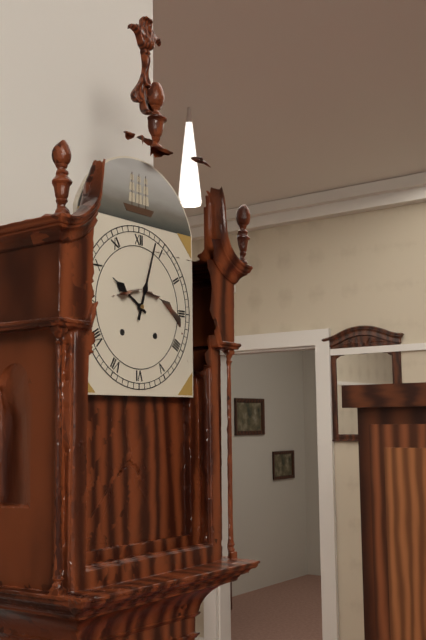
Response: **10:03**
